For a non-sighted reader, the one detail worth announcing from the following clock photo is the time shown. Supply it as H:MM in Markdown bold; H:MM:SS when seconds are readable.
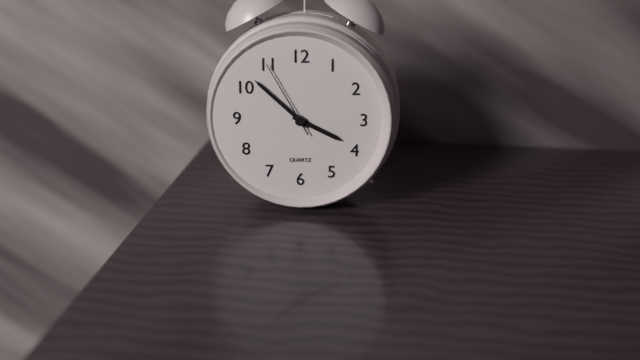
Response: **3:52:55**
